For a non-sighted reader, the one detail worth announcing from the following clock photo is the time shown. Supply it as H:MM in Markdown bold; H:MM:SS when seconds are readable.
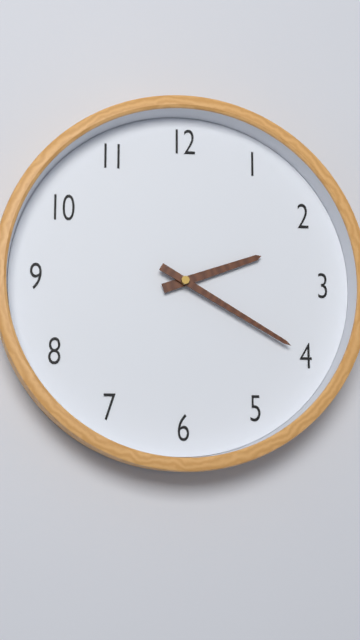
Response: **2:20**
